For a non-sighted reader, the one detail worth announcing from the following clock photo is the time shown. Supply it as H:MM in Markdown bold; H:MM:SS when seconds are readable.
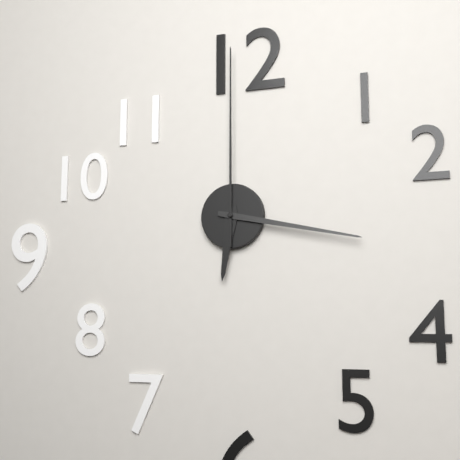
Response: **6:17:00**
